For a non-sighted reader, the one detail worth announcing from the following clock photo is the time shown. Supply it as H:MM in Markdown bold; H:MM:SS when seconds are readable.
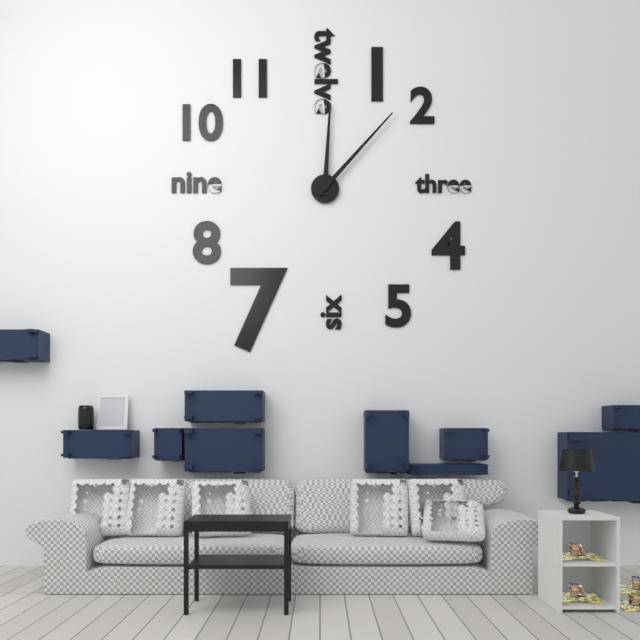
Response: **12:07**
